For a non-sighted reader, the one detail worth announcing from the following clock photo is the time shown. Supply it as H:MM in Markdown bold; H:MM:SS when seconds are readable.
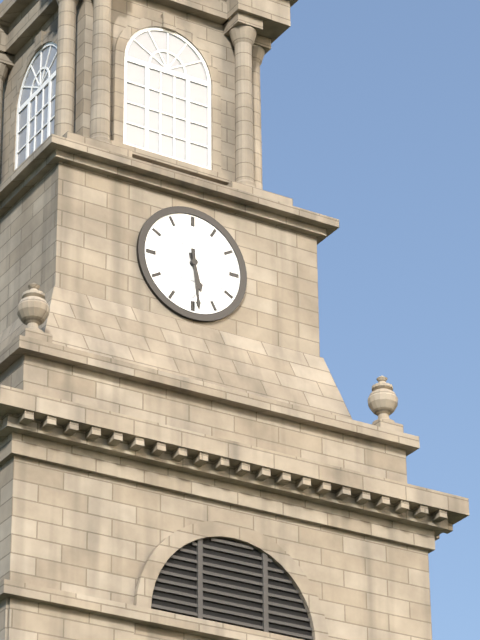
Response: **5:29**
